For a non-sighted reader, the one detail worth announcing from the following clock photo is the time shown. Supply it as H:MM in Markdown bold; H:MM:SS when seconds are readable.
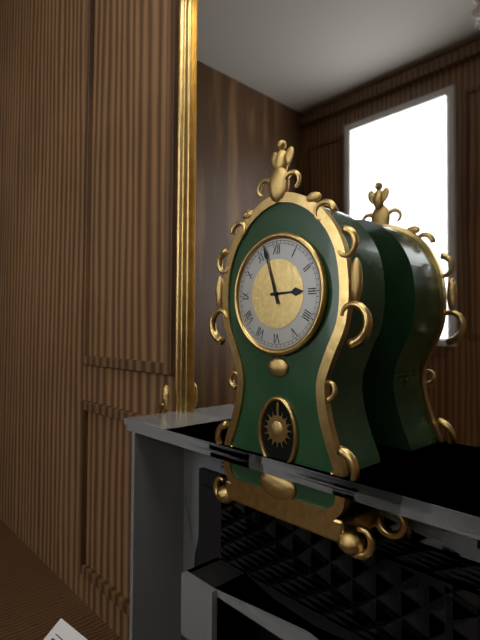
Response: **2:57**
